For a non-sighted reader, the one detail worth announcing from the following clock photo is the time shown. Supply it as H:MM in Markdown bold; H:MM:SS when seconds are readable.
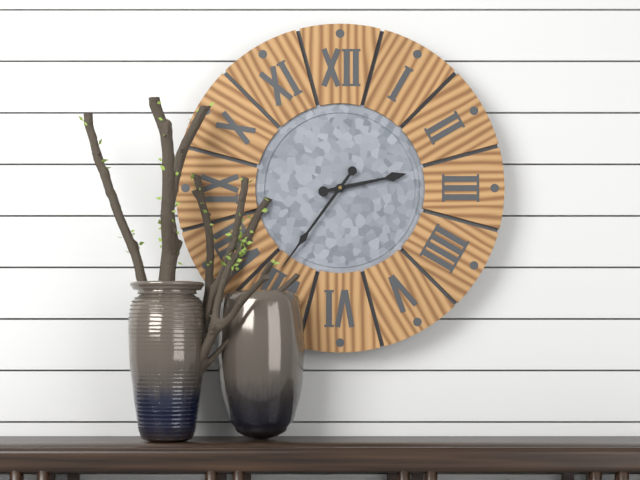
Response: **2:36**
